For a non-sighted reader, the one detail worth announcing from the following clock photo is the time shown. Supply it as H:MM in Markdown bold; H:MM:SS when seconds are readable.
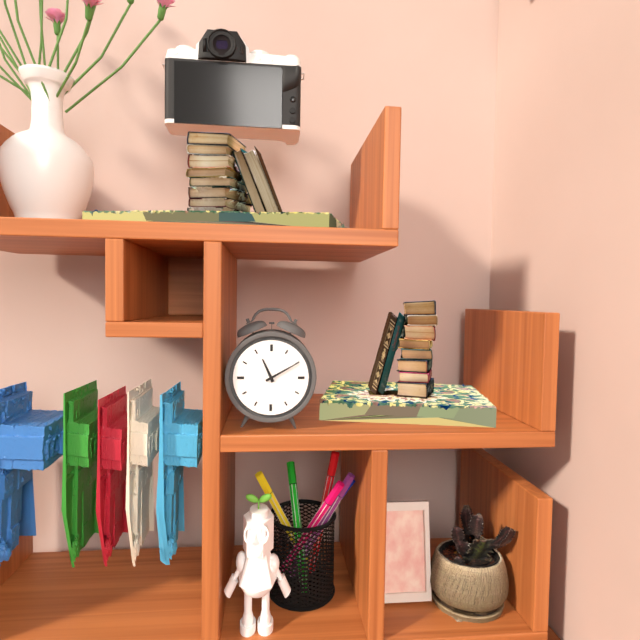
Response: **11:10**
